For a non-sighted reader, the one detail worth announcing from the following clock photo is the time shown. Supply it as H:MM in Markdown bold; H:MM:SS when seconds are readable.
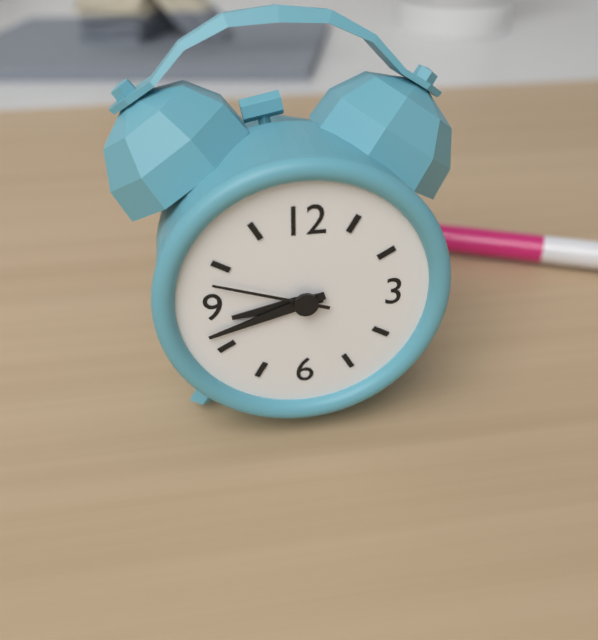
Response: **8:42:48**
